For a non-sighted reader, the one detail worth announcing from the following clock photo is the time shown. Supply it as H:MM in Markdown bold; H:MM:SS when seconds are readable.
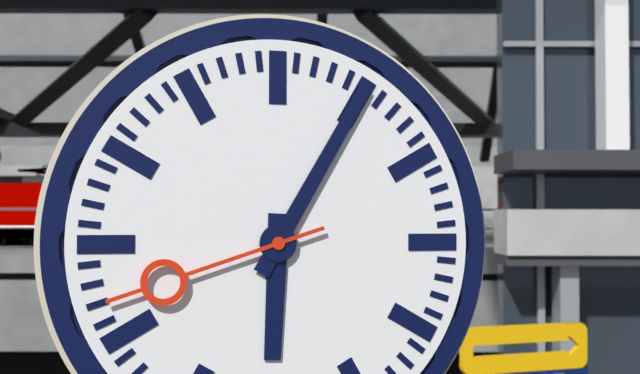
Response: **6:05:42**
